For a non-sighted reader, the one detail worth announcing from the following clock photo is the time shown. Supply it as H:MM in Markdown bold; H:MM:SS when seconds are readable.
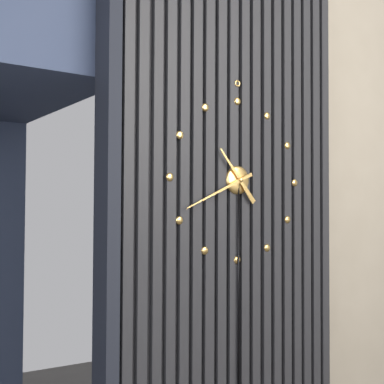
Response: **10:41**
